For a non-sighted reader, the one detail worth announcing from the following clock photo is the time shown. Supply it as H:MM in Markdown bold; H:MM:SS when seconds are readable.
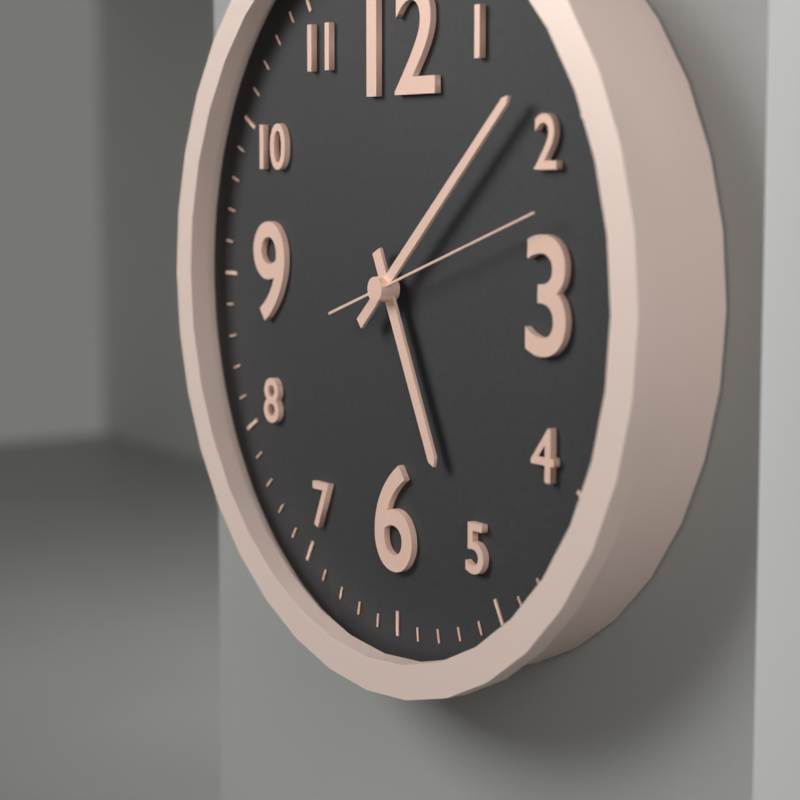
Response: **5:08:12**
